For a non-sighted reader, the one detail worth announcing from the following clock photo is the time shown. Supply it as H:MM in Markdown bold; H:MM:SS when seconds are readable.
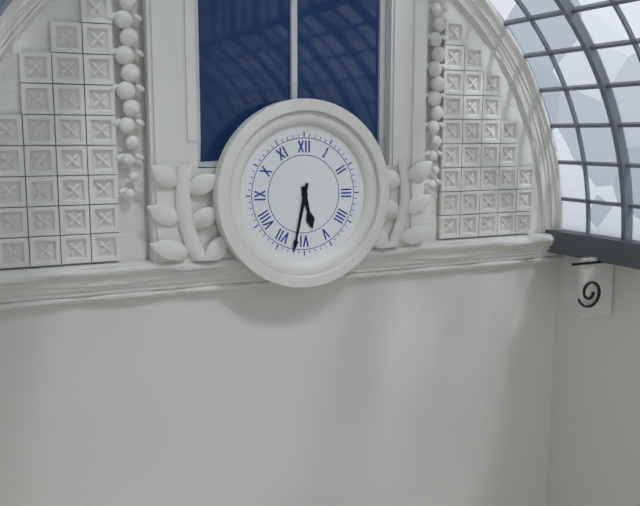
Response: **5:32**
